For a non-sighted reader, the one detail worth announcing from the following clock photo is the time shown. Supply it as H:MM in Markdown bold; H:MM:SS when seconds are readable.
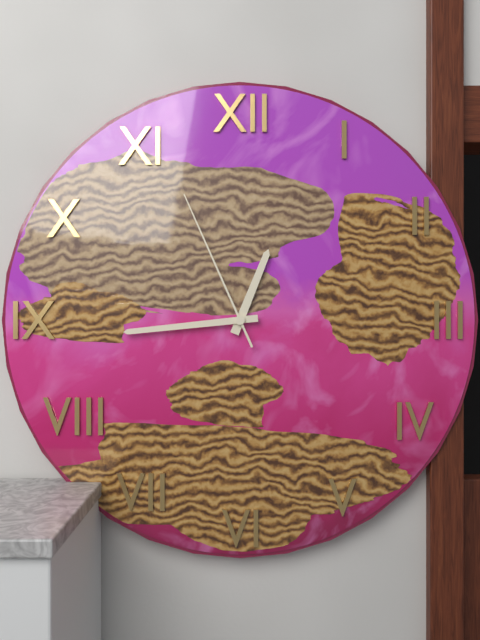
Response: **12:44:56**
